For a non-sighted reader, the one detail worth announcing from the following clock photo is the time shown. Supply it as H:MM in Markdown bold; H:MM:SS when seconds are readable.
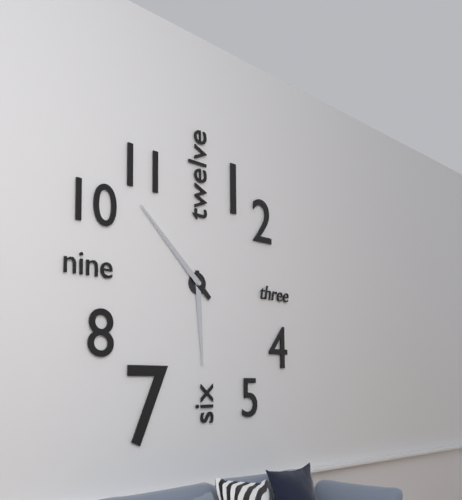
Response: **5:52**
